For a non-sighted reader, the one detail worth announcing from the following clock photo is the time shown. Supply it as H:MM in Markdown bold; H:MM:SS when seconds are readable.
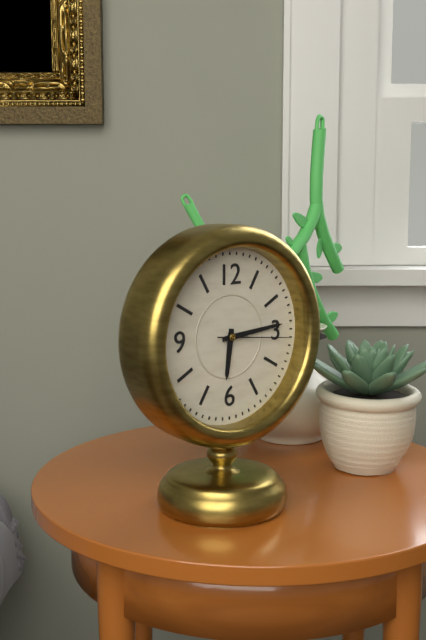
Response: **6:14:16**
